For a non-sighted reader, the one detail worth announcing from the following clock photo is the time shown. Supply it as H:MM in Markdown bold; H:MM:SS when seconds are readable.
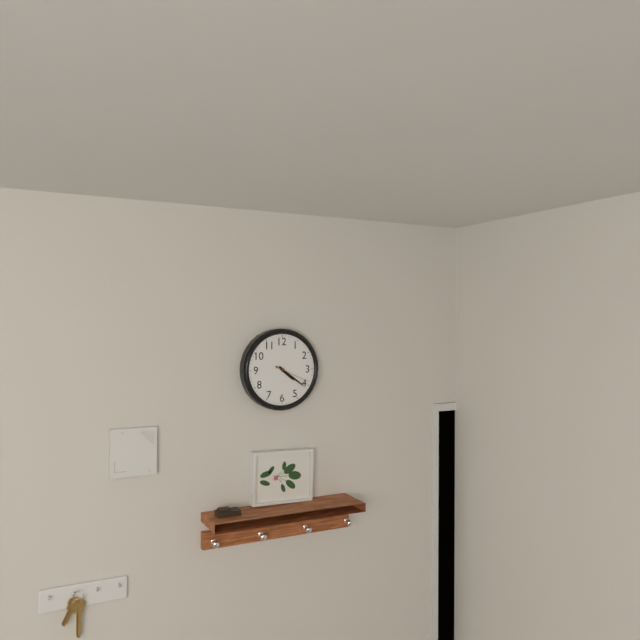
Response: **4:21**
